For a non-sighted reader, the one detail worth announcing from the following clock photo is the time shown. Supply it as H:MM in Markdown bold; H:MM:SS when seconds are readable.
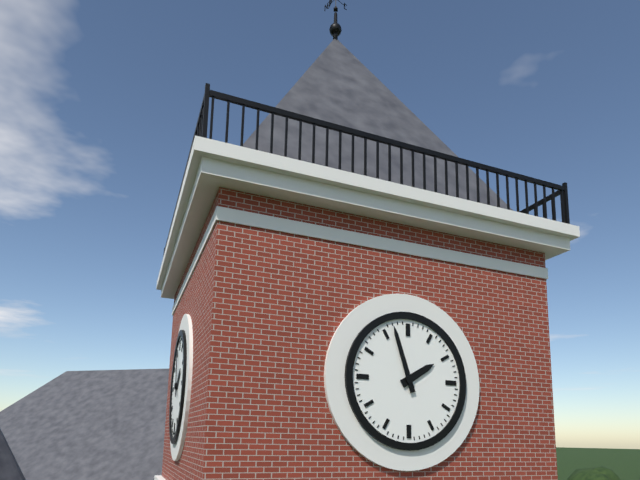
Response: **1:57**
